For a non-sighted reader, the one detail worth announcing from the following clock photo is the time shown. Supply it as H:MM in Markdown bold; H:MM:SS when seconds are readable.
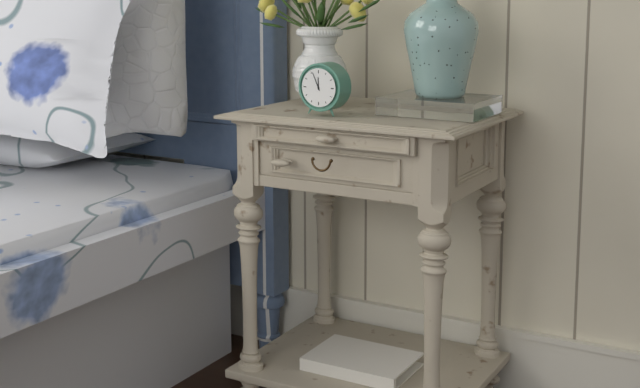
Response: **11:56**
